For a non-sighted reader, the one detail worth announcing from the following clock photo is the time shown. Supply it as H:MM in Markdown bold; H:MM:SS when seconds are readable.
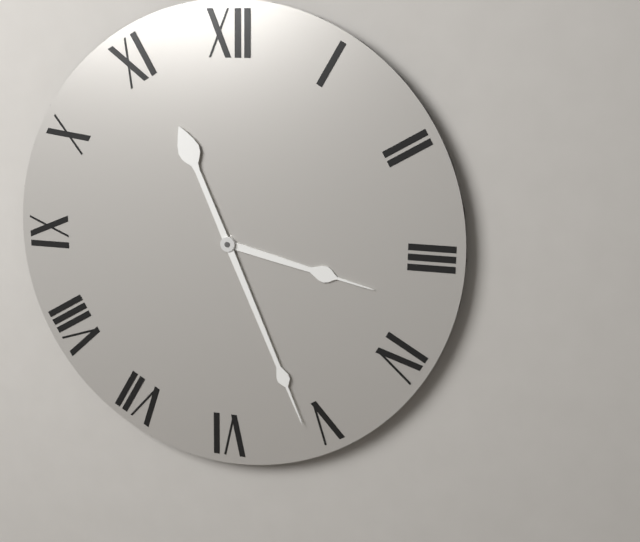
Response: **3:26**
